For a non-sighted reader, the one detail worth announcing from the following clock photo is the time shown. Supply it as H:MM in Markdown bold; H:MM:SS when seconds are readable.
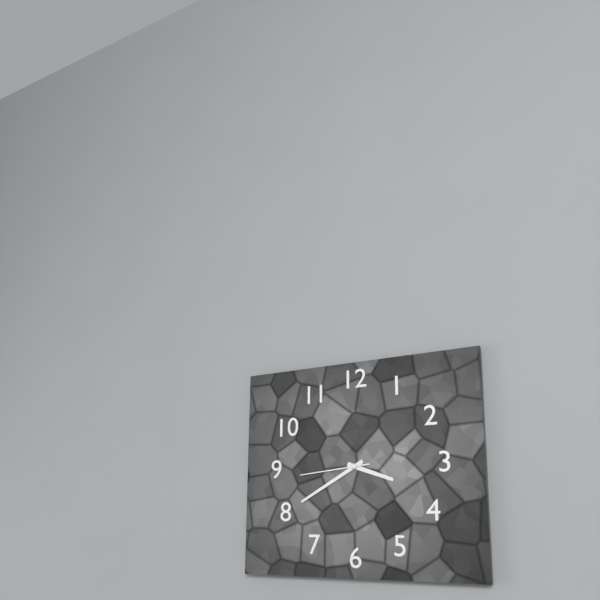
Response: **3:40:44**
